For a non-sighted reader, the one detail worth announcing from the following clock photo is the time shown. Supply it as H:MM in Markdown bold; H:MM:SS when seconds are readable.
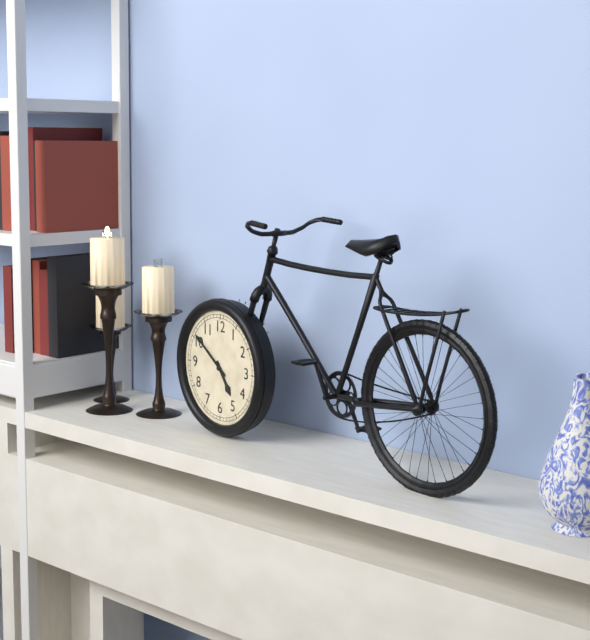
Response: **4:51**
